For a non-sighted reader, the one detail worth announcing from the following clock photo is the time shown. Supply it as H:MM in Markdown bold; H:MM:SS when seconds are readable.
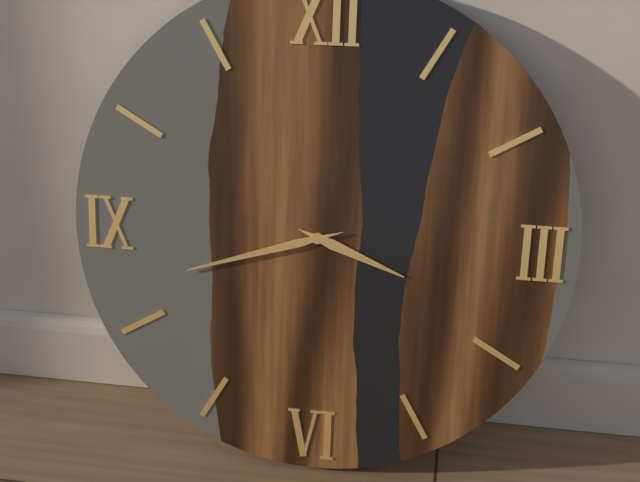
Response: **3:42**
